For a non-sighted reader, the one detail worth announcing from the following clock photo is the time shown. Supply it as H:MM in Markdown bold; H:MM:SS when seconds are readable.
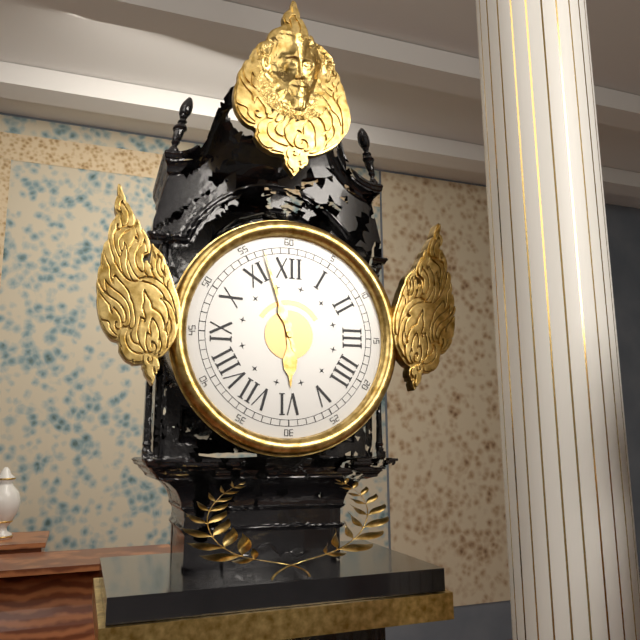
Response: **5:57**
